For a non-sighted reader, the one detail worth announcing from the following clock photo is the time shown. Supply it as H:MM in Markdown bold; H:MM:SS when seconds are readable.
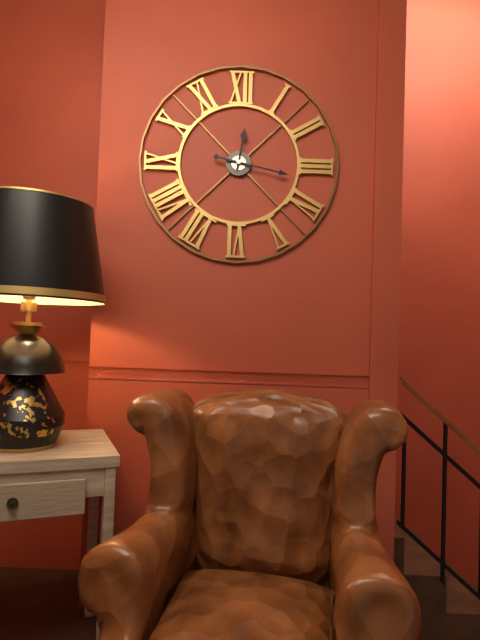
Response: **12:17**
